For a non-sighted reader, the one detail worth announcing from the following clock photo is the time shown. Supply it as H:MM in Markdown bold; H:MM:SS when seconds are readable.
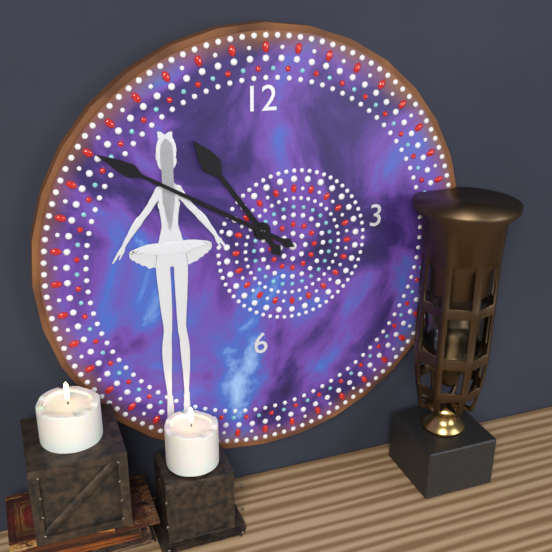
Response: **10:50**
